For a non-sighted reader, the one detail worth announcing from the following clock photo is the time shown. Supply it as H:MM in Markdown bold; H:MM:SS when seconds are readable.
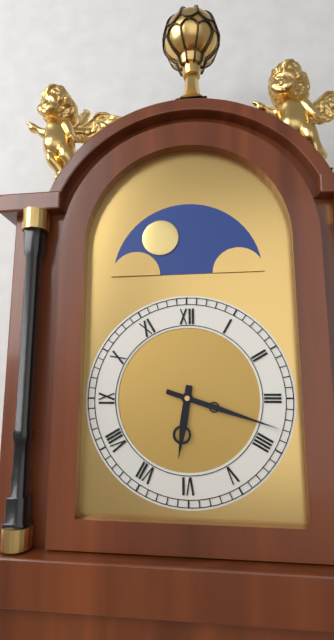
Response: **6:18**
